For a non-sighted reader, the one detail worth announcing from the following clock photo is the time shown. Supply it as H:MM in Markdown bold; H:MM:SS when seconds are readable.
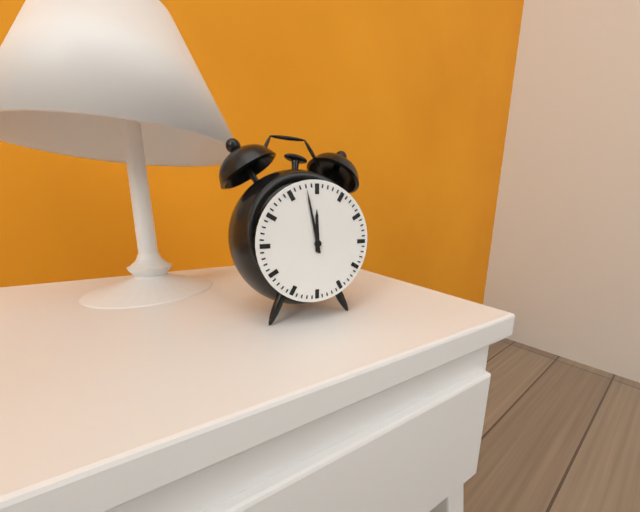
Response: **11:58**
